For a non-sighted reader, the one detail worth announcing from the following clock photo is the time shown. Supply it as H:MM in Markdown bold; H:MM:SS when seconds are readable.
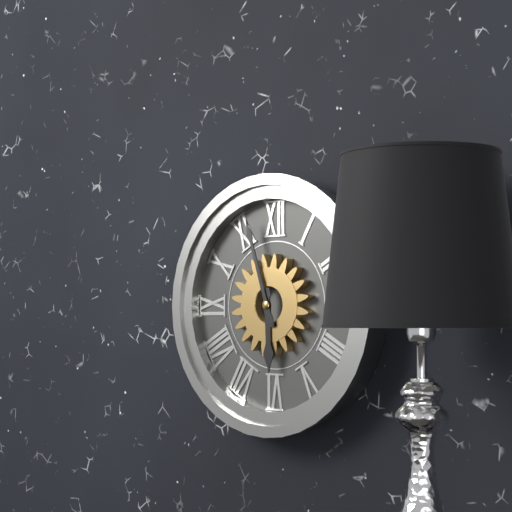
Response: **5:57**
